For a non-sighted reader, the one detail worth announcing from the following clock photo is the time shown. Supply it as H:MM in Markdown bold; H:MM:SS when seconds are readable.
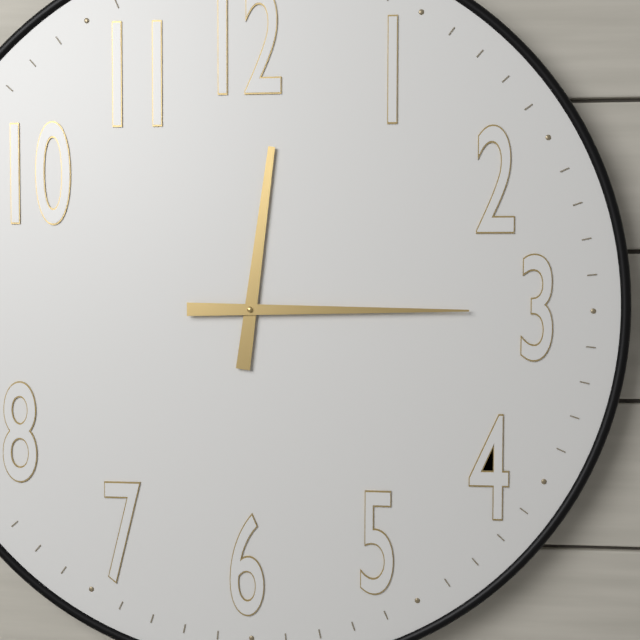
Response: **12:15**
